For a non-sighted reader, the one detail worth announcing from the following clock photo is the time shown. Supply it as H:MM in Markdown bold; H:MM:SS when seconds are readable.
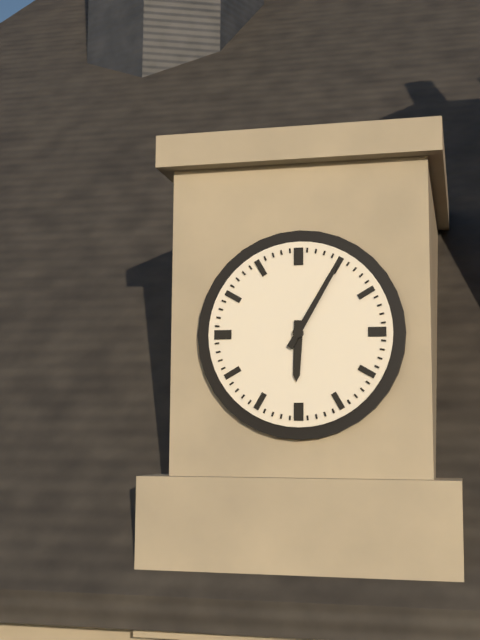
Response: **6:05**
